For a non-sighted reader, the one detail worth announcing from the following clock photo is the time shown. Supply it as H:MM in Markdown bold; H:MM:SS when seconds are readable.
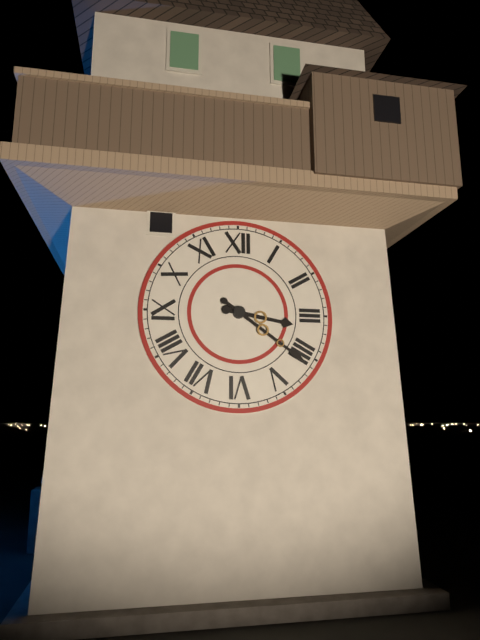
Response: **3:21**
